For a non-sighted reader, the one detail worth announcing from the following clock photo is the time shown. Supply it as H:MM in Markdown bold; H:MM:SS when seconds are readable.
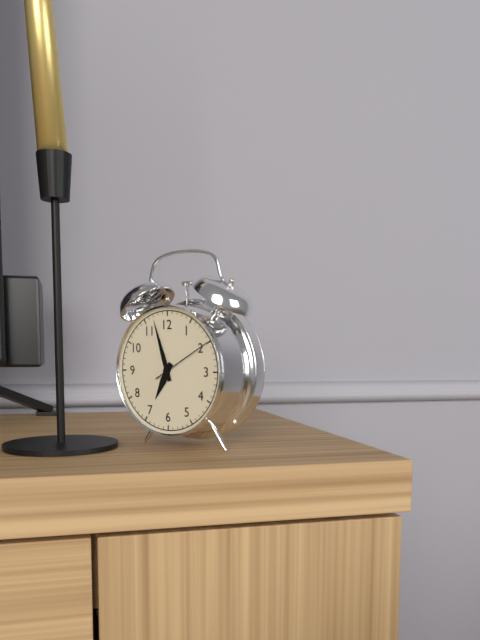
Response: **6:57:10**
